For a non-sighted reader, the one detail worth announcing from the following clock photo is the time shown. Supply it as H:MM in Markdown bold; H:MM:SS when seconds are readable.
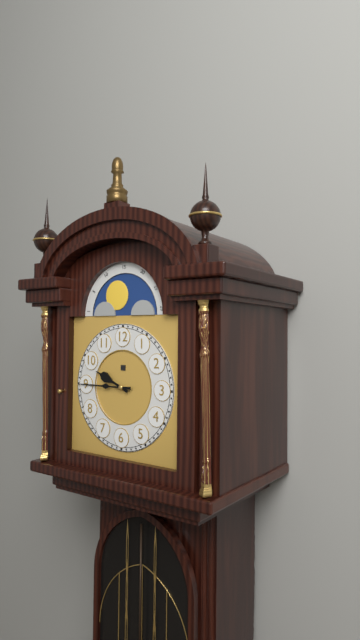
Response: **9:45**
